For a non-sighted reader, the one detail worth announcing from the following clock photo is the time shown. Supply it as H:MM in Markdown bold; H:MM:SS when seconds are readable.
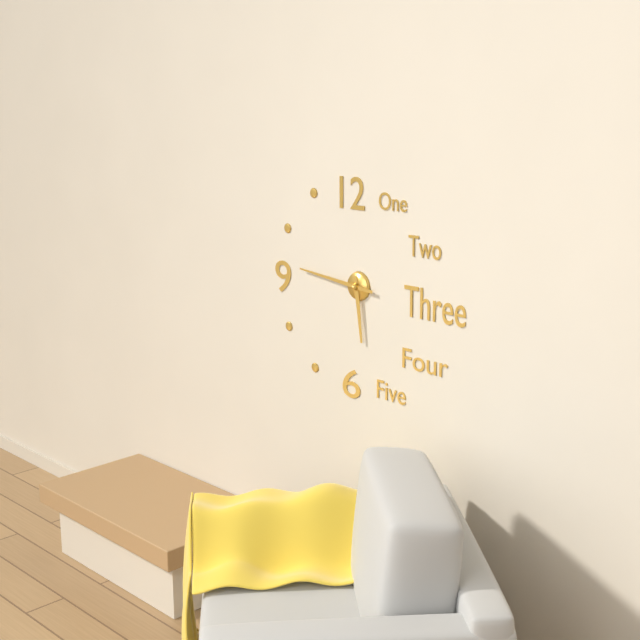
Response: **5:46**
